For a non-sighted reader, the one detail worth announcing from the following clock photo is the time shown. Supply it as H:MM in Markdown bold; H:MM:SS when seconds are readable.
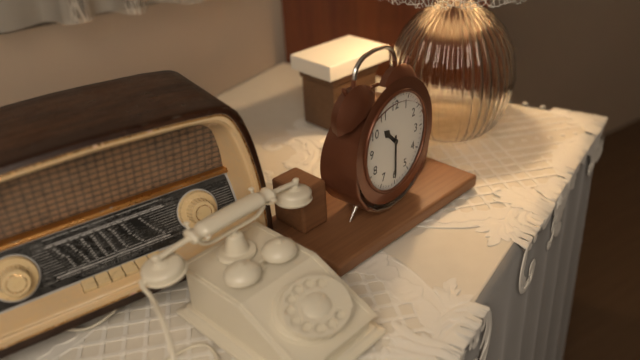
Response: **10:30**
